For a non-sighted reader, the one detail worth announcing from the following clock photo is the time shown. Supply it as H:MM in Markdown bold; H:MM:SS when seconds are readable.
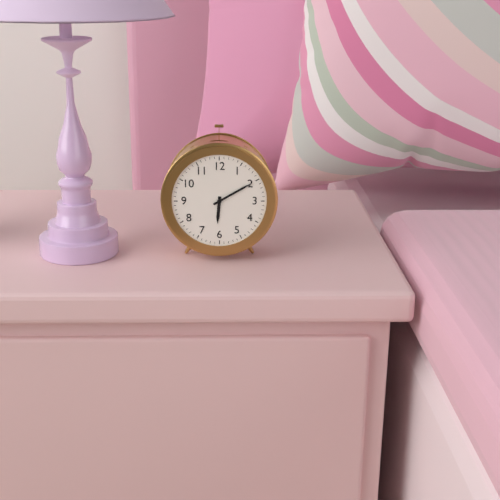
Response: **6:10**
